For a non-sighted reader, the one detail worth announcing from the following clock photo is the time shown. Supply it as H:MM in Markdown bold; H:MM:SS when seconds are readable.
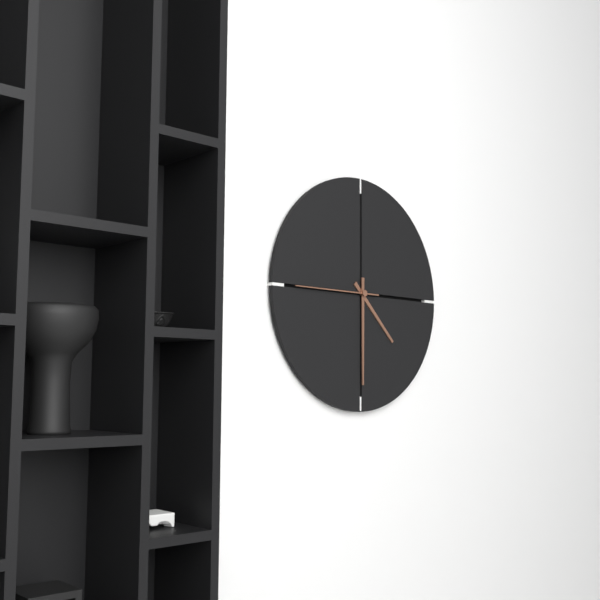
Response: **4:30:45**
